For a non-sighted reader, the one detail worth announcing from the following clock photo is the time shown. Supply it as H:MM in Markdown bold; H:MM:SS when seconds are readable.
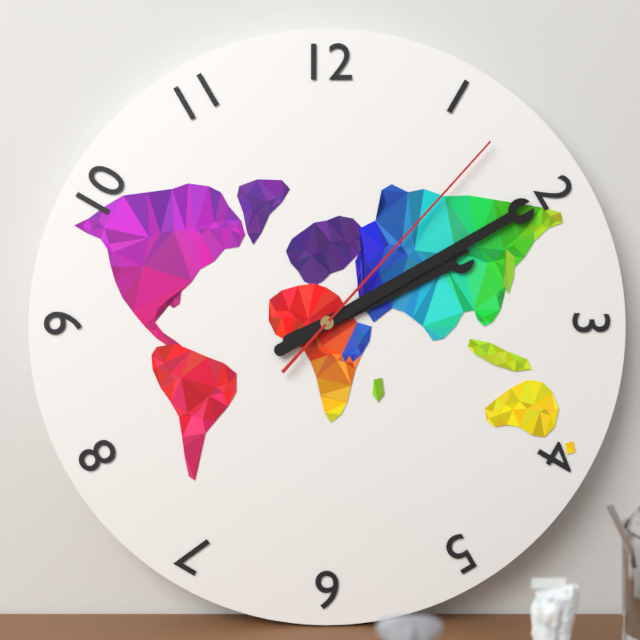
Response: **2:10:07**
